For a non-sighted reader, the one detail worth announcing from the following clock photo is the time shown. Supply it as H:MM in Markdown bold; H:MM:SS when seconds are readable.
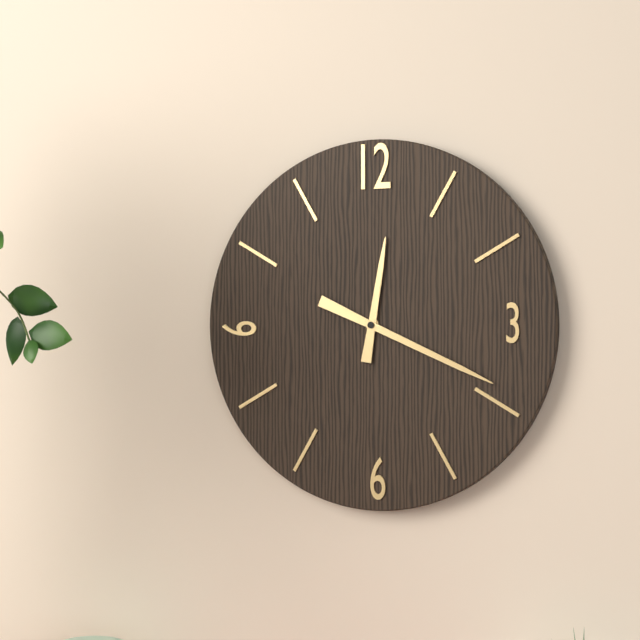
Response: **12:19**
